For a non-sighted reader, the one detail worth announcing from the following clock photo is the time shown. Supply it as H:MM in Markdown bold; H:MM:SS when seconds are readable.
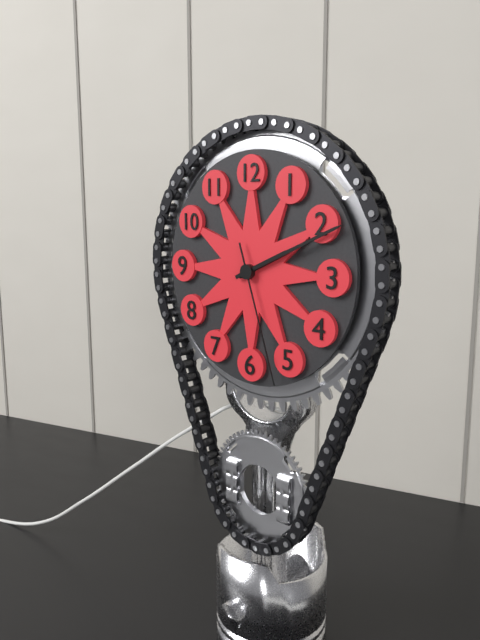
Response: **2:11:27**
